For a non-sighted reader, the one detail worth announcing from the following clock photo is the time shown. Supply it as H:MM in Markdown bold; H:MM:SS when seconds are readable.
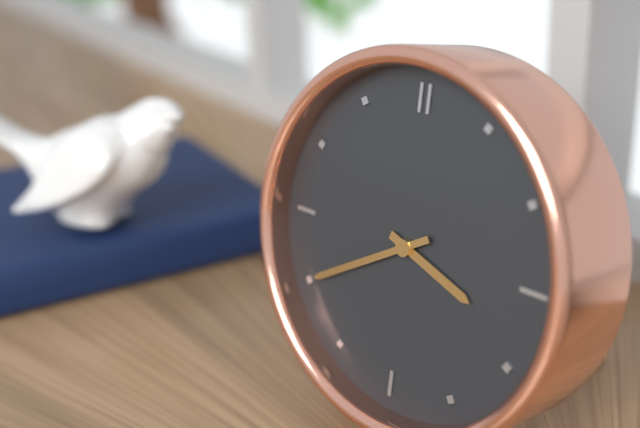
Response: **3:40**
